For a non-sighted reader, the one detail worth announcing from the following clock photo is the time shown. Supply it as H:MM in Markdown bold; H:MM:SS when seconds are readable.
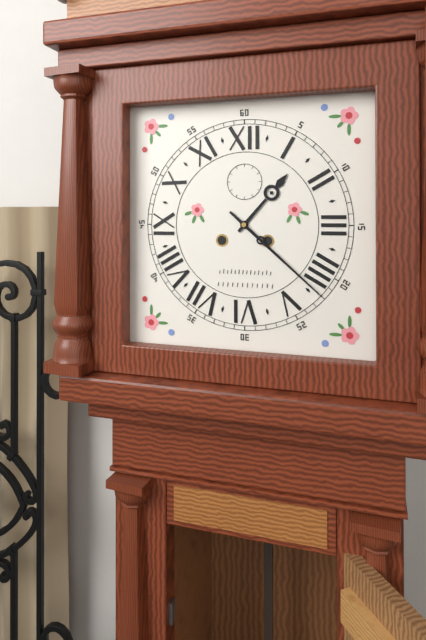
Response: **1:22**
